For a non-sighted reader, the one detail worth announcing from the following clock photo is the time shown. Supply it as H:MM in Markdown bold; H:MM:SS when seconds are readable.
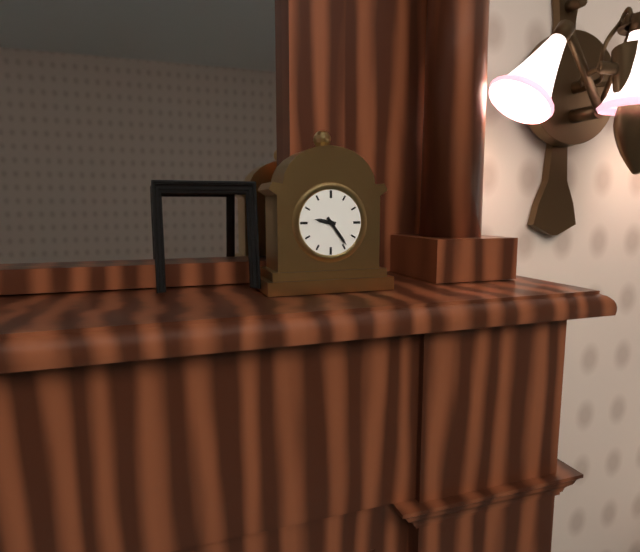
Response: **9:24**
